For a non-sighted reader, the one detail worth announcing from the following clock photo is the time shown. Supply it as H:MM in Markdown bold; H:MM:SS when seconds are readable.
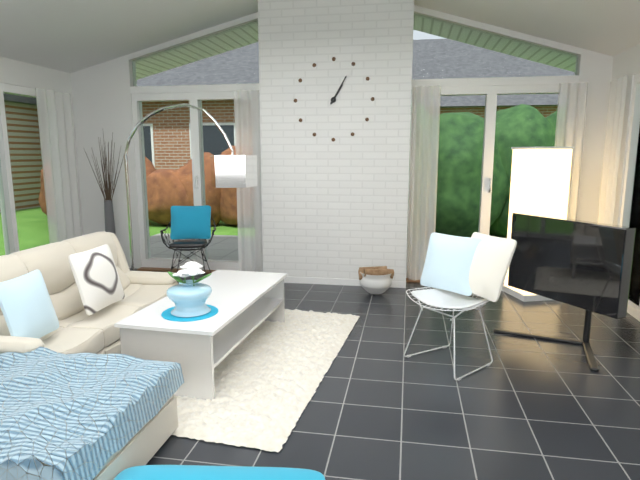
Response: **1:05**
